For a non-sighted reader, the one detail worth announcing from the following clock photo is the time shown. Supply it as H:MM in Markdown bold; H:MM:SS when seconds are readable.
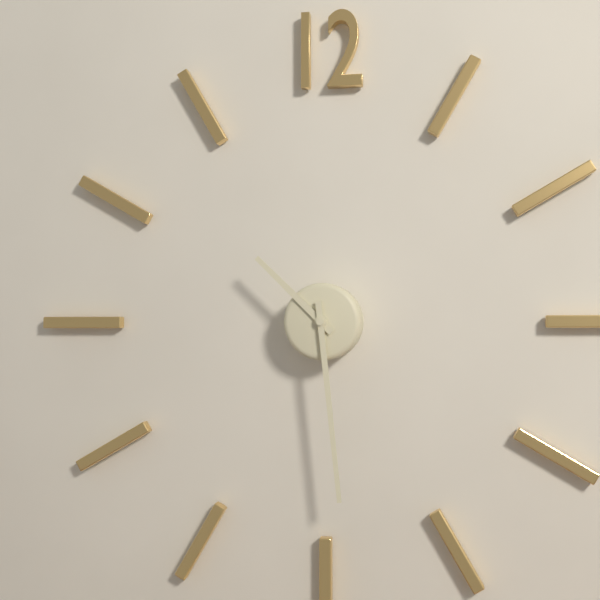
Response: **10:29**
